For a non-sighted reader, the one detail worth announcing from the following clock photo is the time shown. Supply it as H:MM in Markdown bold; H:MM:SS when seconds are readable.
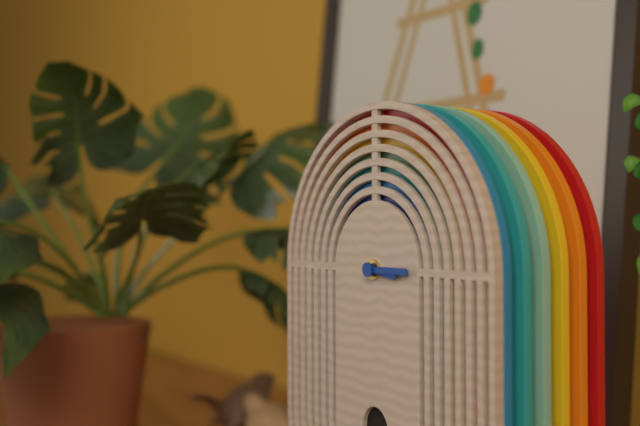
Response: **3:15**
